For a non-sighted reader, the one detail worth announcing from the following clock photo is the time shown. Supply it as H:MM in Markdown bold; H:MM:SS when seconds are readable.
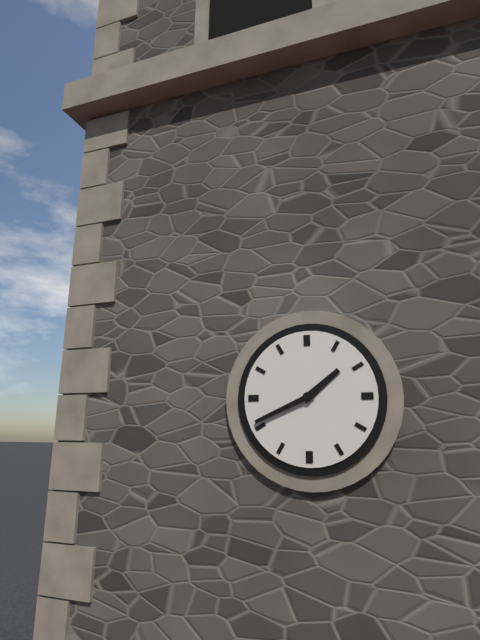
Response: **1:41**
